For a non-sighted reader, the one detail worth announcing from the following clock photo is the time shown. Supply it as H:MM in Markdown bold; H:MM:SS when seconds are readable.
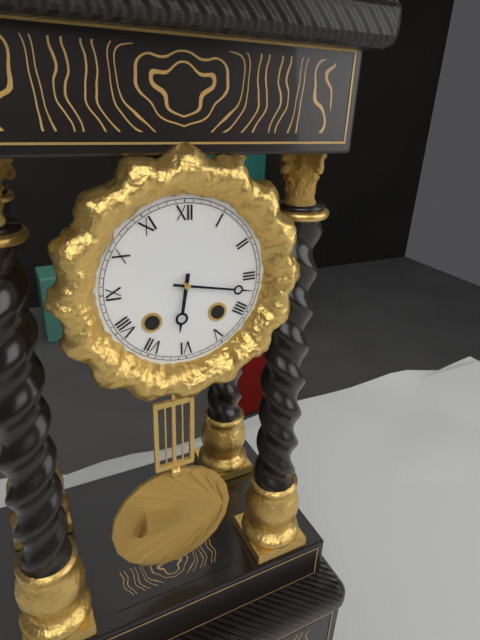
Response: **6:17**
